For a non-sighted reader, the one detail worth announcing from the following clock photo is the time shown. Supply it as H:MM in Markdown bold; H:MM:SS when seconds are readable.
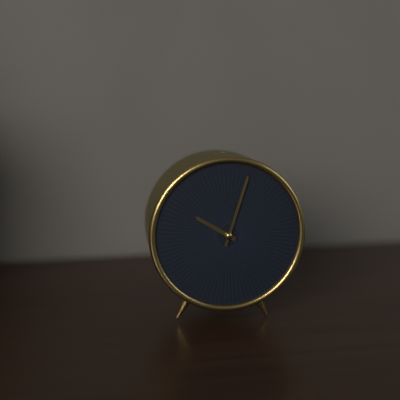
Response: **10:03**
